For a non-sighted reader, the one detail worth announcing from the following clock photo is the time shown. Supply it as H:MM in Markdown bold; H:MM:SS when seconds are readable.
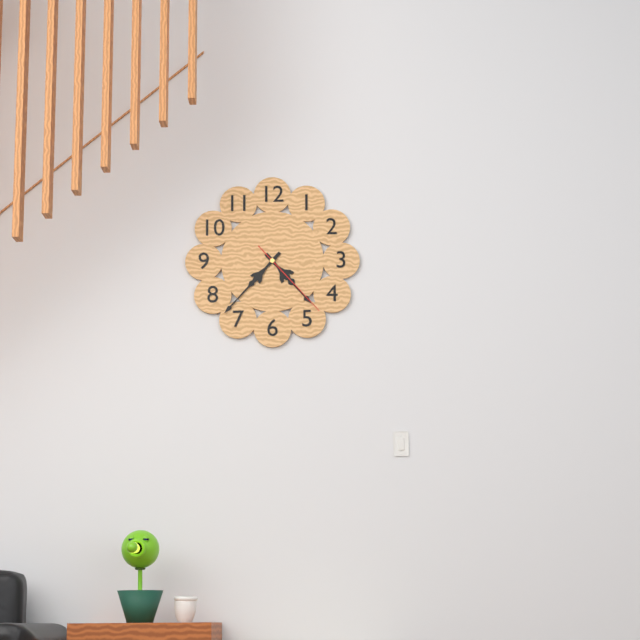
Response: **4:37:23**
